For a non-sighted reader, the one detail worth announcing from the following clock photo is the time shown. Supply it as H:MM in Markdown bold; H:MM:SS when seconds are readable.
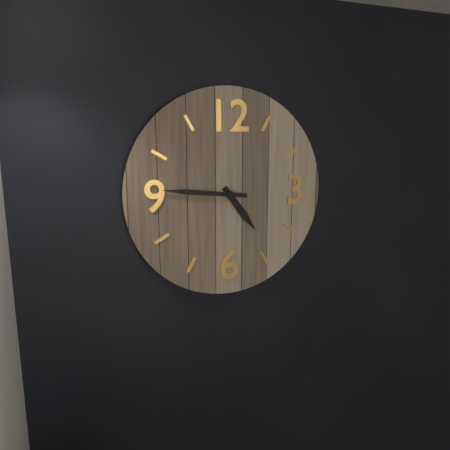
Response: **4:46**
